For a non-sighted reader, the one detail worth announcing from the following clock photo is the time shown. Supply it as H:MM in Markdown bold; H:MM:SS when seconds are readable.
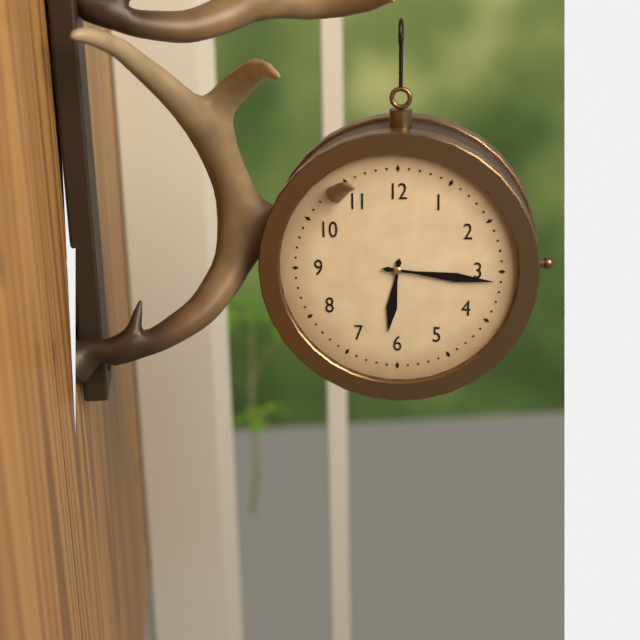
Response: **6:16**
